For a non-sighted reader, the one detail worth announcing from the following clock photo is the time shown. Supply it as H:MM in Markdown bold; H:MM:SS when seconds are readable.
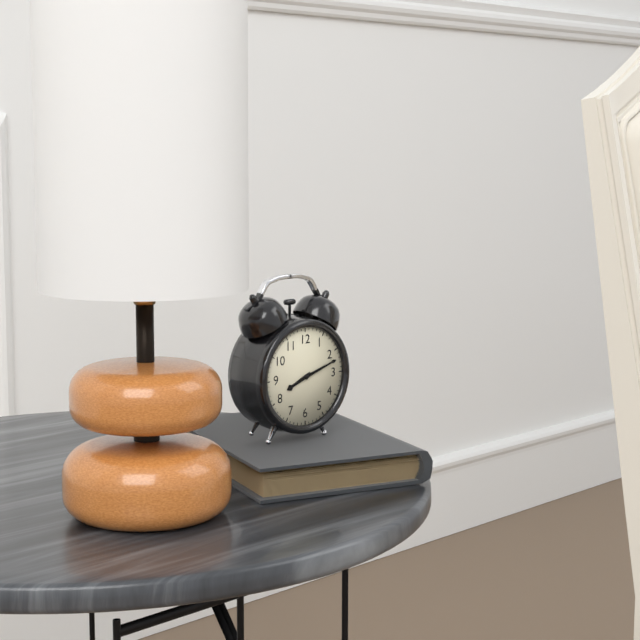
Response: **8:12**
